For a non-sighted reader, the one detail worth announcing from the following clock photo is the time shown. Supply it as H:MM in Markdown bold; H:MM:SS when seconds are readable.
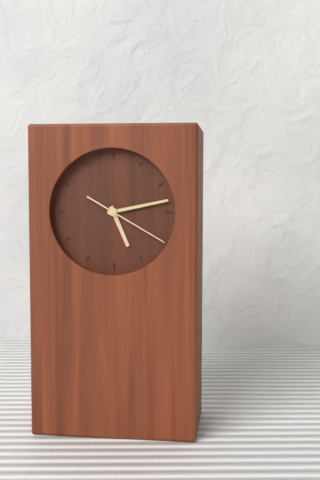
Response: **5:13:20**
